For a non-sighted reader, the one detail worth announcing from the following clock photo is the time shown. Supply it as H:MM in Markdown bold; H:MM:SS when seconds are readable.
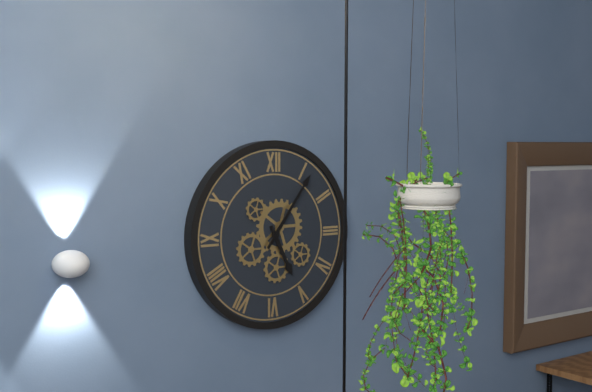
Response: **5:06**
